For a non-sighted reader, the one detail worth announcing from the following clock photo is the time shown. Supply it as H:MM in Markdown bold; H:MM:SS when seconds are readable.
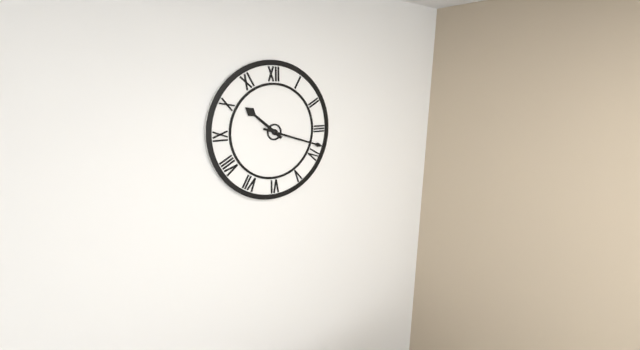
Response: **10:18**
